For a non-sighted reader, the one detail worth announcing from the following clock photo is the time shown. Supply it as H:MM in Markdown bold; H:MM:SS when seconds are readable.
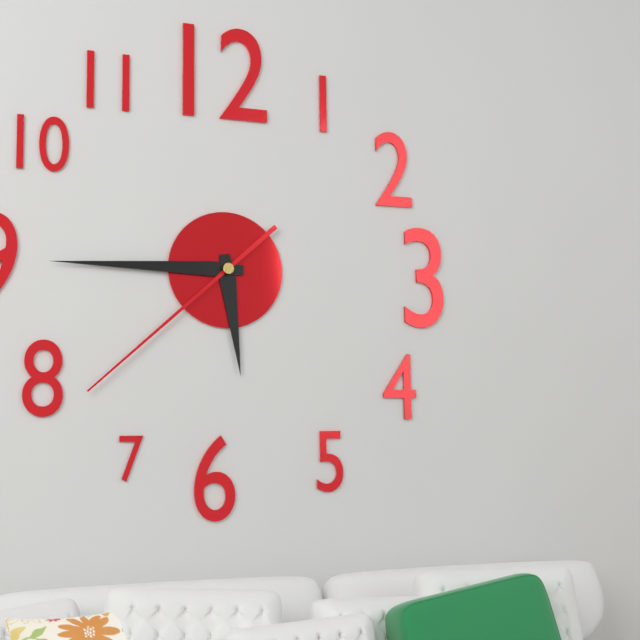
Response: **5:45:38**
